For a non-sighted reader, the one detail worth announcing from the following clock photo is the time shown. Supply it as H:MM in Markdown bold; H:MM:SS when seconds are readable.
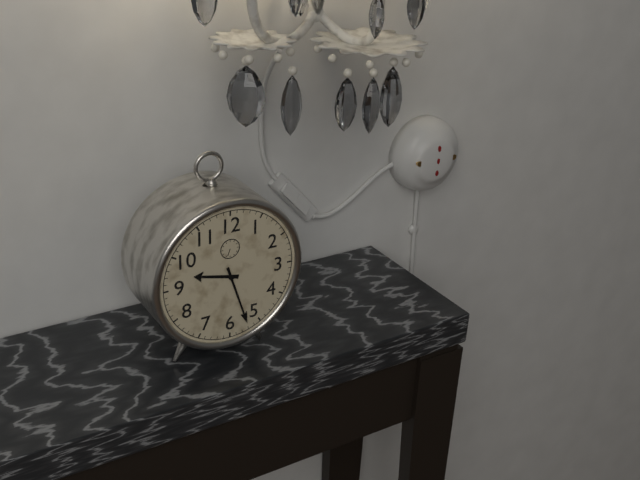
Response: **9:27**
